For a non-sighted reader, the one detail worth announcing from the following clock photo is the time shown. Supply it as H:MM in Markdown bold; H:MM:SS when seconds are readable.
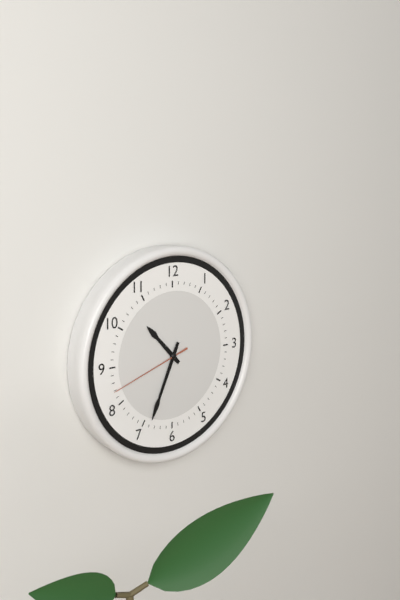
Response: **10:34:42**
